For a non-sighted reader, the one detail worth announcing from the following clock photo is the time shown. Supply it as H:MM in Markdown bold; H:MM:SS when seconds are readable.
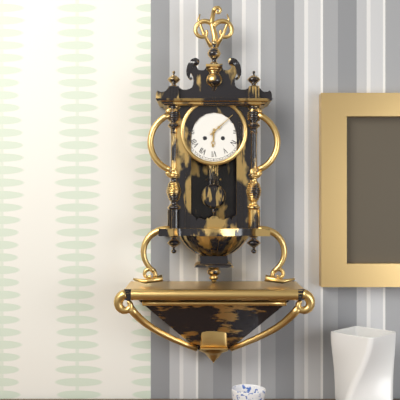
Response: **6:08**
